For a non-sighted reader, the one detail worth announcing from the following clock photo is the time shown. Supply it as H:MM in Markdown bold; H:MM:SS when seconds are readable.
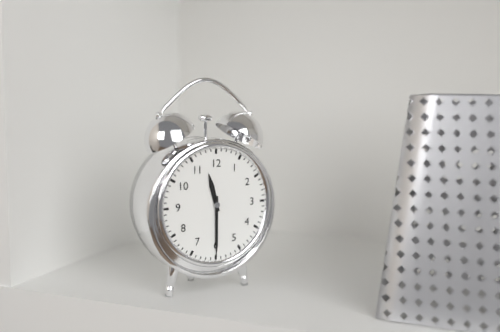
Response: **11:30**
